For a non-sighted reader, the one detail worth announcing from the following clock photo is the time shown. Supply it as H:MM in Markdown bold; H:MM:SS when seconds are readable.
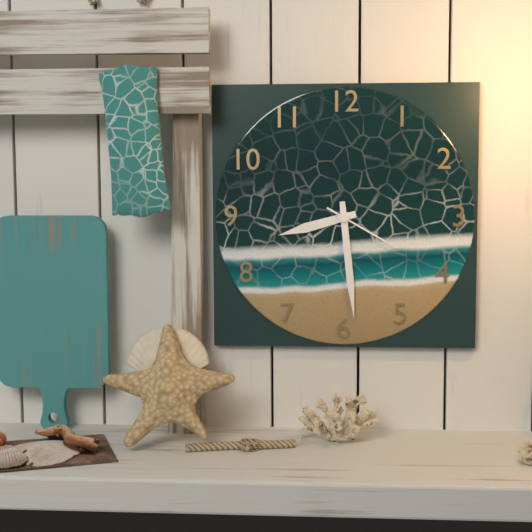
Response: **8:29:20**
